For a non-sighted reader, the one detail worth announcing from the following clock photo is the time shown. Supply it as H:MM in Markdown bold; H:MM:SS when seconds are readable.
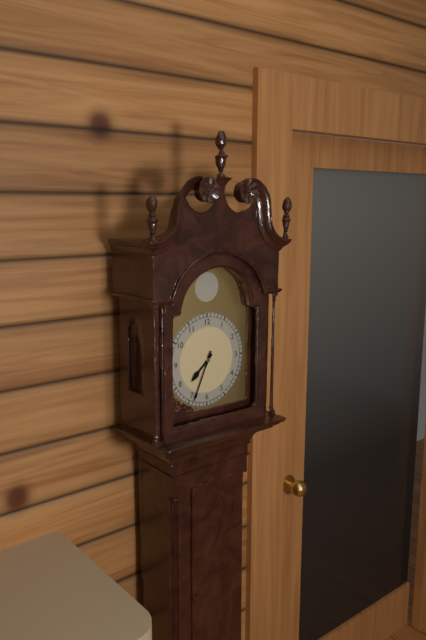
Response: **7:34**
